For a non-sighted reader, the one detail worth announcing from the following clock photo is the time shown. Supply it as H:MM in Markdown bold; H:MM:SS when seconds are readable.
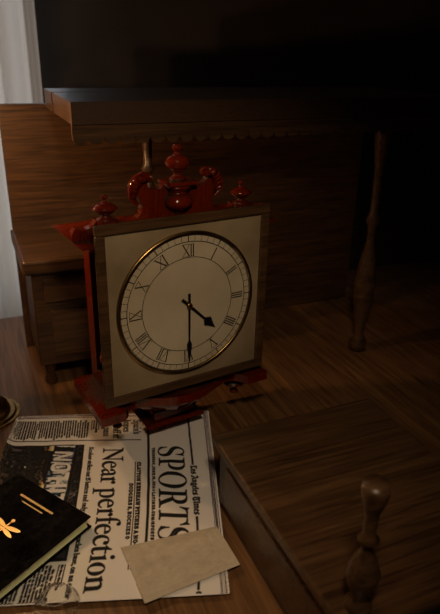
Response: **4:30**
